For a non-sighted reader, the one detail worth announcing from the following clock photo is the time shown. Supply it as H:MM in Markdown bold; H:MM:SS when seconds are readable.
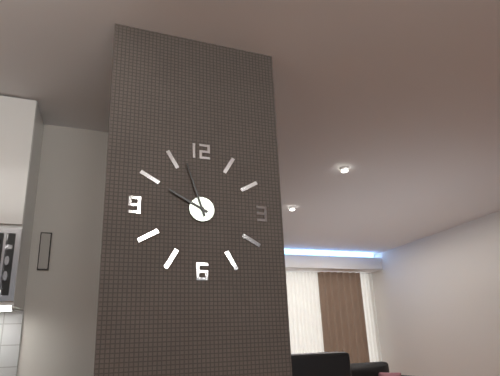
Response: **9:57**
